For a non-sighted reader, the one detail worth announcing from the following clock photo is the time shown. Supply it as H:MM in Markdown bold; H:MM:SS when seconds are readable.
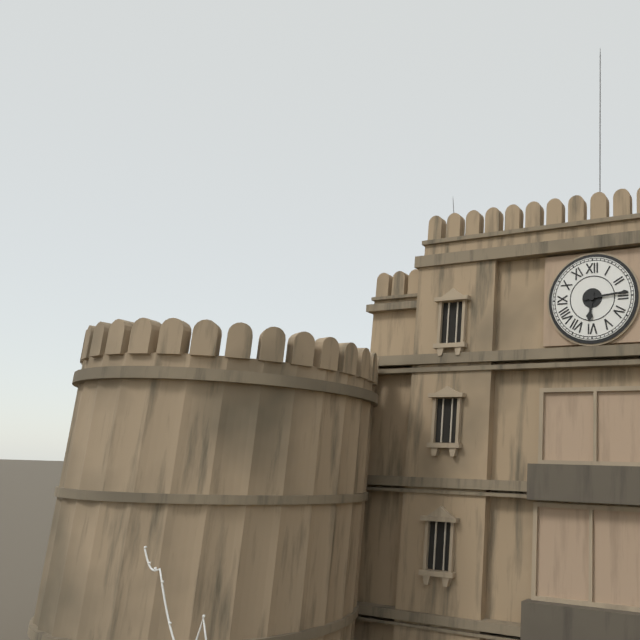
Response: **6:14**
